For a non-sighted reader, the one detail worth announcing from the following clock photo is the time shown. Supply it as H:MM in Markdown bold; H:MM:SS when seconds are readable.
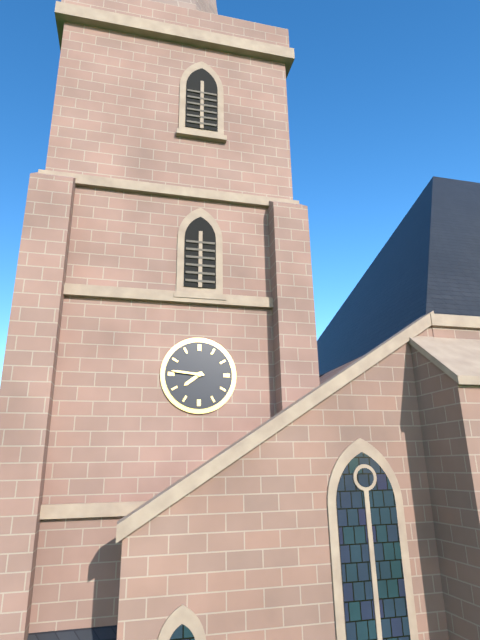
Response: **7:46**
